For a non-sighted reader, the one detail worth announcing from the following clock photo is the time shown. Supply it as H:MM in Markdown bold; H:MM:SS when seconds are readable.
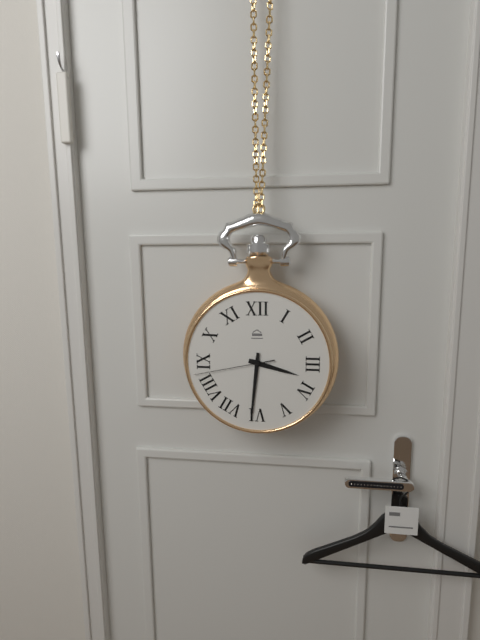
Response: **3:31:43**
